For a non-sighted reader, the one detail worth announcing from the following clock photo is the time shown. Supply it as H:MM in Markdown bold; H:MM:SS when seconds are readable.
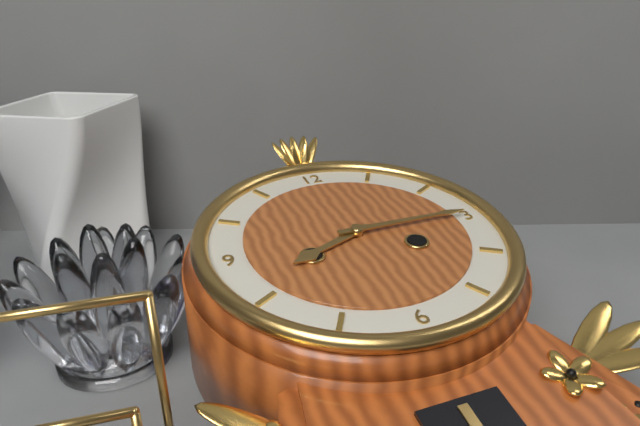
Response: **8:15**
